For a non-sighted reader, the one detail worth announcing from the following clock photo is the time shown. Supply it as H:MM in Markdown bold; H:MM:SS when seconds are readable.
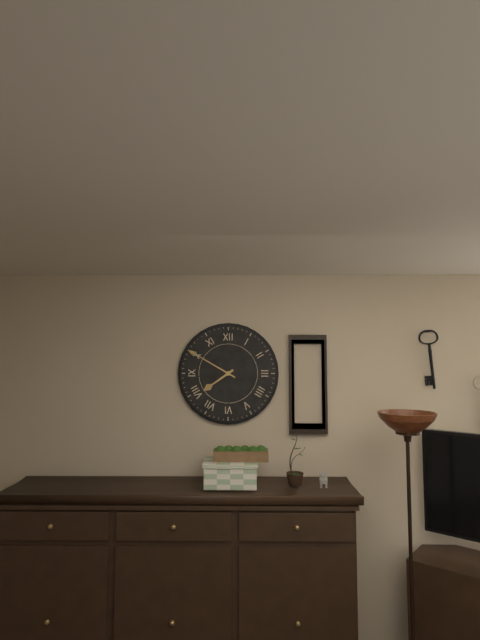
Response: **7:50**
